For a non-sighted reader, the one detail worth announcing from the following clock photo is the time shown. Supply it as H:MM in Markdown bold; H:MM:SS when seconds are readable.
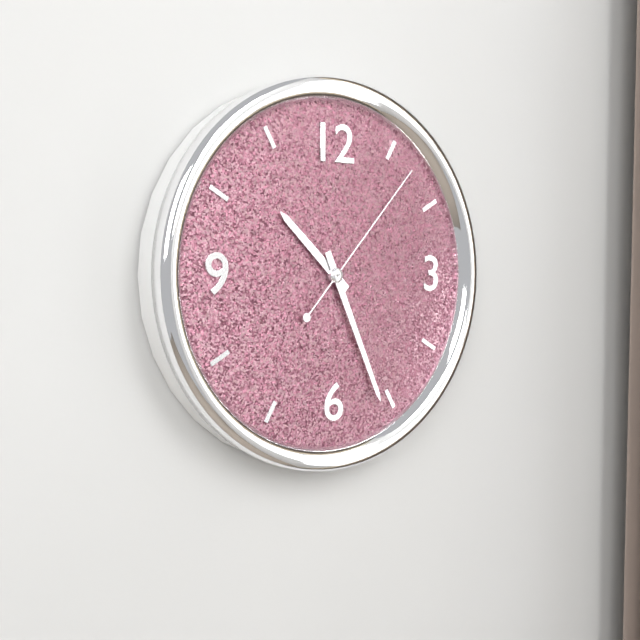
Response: **10:26:07**
